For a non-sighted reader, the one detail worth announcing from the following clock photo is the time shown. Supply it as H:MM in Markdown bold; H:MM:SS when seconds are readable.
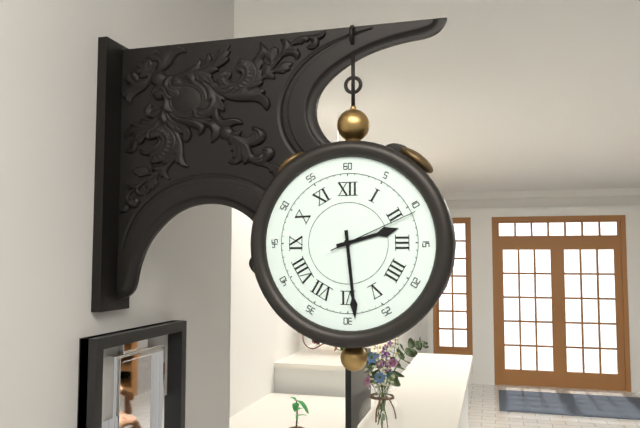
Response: **2:29:11**
